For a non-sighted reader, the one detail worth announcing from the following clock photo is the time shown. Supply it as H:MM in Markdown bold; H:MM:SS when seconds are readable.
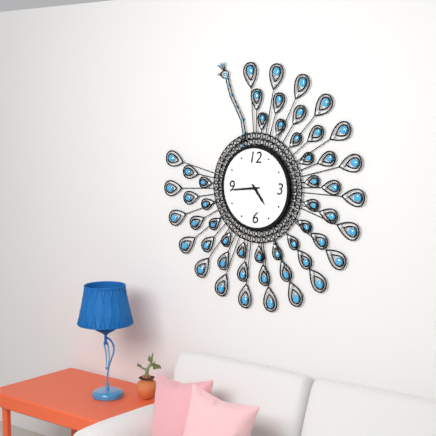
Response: **4:44**
